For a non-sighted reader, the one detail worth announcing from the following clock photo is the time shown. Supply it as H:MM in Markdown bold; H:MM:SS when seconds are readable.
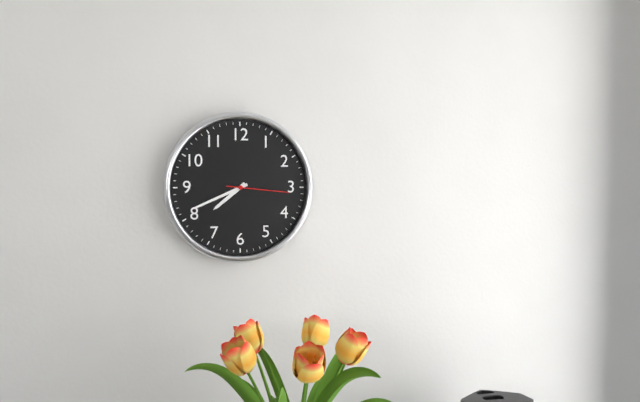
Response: **7:41:16**
